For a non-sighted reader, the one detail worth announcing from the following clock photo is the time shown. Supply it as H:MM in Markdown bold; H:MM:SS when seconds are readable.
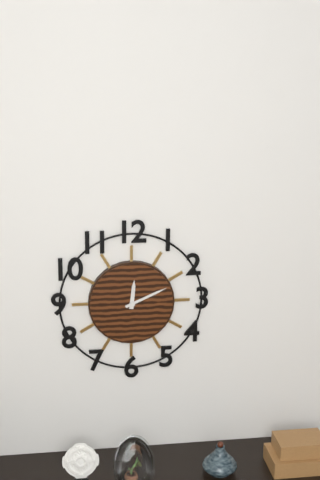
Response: **12:11**
